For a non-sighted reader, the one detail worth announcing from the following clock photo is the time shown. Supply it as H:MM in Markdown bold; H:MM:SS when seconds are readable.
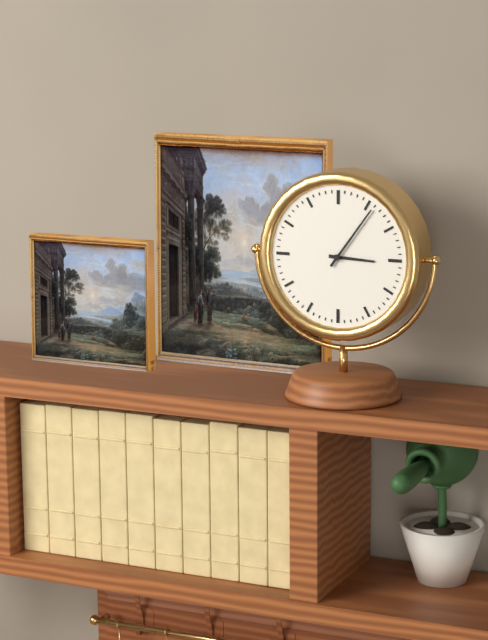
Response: **3:06**
